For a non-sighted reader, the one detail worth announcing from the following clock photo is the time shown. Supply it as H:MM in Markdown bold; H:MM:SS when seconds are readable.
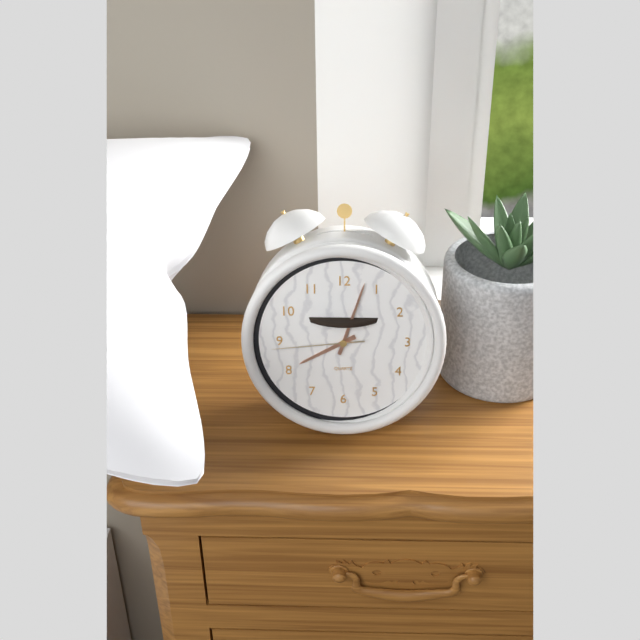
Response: **8:03:44**
